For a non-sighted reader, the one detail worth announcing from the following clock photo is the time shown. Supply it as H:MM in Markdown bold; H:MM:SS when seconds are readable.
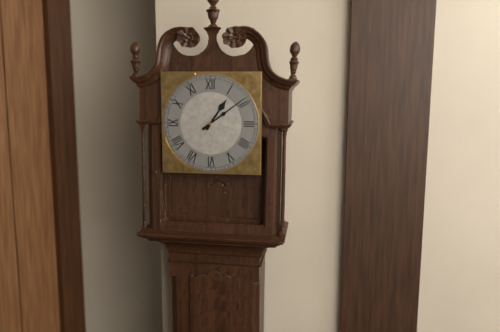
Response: **1:09**
